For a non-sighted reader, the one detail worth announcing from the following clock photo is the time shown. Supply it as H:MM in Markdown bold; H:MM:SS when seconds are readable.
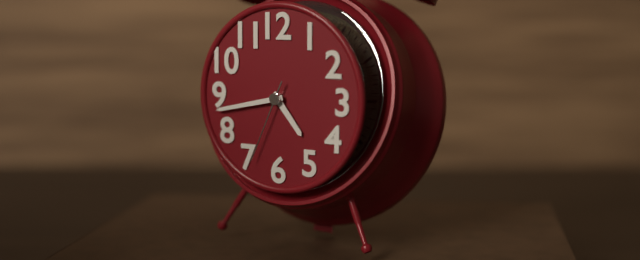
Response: **4:43:34**
